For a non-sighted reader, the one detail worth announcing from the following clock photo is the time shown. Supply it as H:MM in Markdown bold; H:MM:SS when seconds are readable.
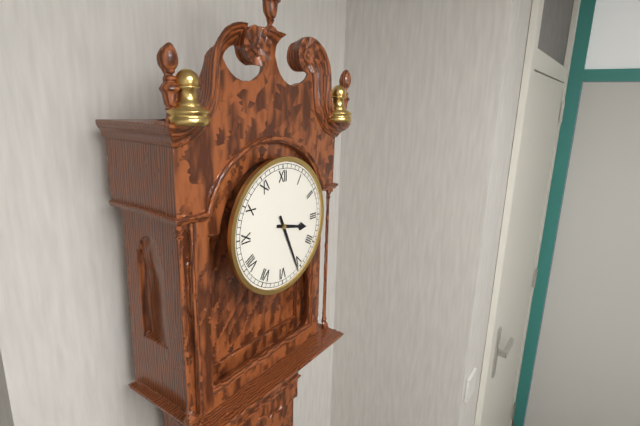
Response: **3:26**
